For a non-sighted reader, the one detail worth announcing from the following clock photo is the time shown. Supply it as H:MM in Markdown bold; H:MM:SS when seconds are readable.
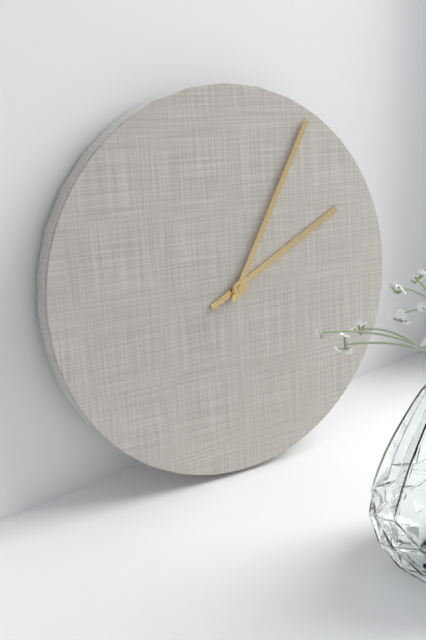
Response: **2:05**
